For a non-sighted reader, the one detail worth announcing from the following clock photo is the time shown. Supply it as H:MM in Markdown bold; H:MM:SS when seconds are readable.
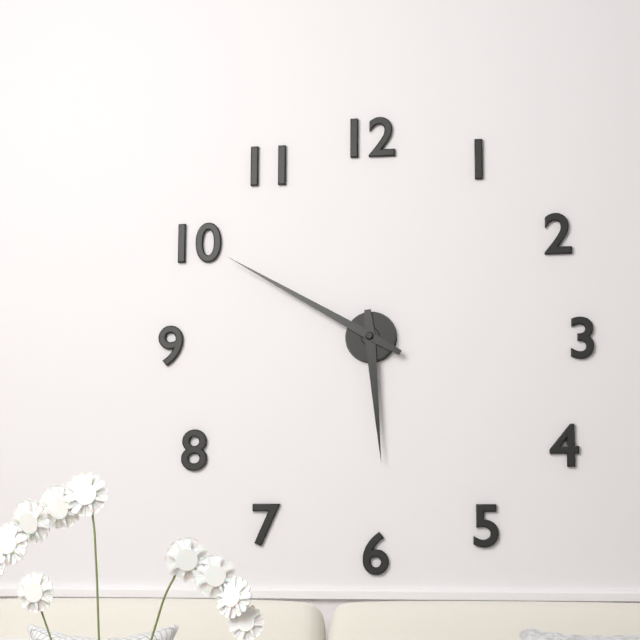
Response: **5:50**
